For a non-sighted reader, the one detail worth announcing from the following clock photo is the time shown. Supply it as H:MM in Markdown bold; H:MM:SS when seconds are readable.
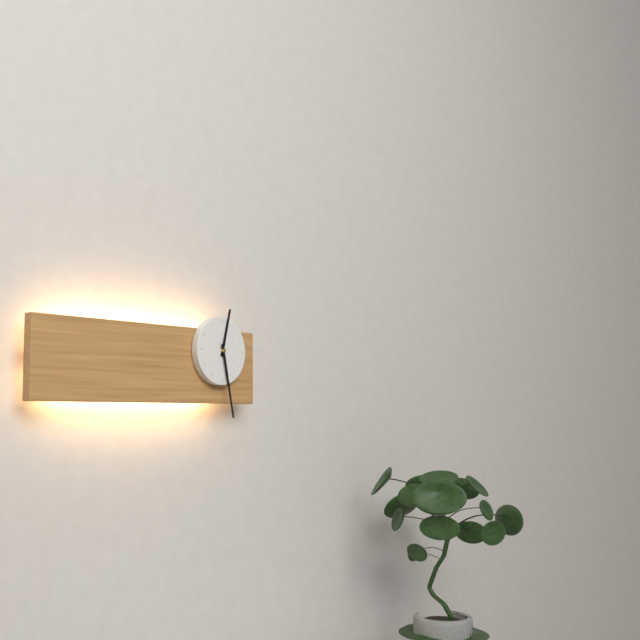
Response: **12:28**
